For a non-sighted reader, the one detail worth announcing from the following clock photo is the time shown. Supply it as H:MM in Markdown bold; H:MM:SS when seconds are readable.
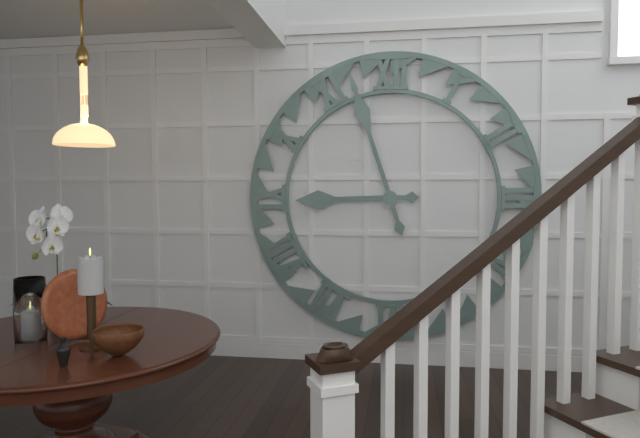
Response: **8:57**
